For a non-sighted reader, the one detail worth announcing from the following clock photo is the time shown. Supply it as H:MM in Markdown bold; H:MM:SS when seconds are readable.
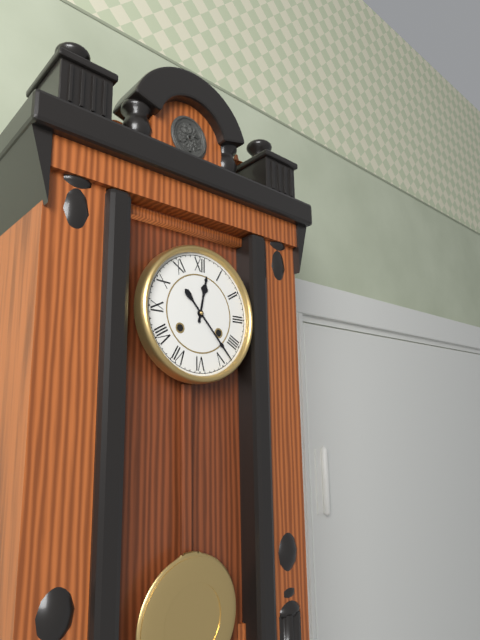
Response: **12:23**
